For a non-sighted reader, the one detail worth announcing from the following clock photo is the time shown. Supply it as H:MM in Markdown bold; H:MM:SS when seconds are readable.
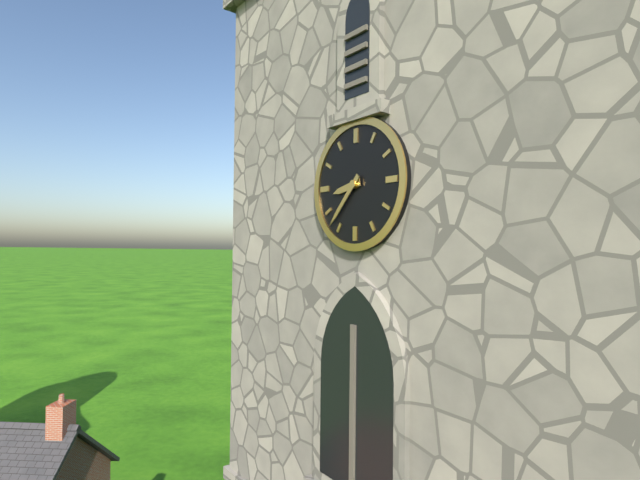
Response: **8:37**
